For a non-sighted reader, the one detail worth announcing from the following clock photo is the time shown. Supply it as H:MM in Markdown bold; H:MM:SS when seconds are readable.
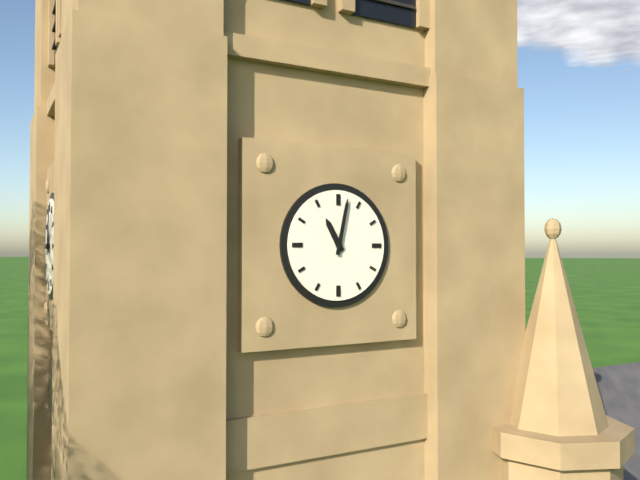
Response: **11:02**
